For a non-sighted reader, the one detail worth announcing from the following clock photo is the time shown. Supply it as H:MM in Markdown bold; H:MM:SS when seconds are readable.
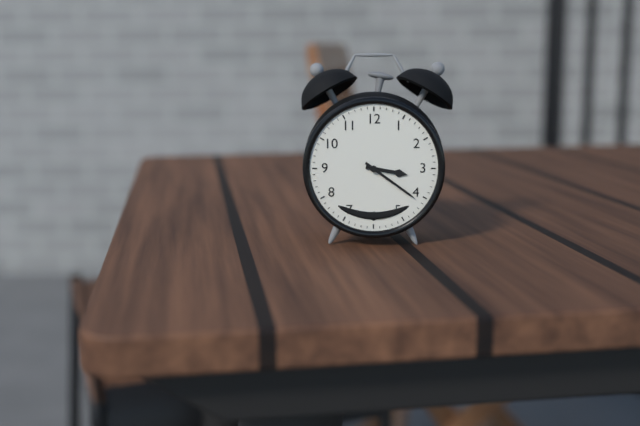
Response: **3:21**
